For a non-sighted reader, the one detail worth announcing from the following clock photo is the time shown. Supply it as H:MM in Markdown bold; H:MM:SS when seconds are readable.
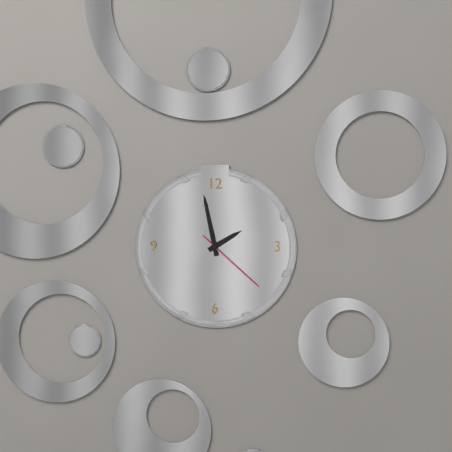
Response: **1:58:22**
